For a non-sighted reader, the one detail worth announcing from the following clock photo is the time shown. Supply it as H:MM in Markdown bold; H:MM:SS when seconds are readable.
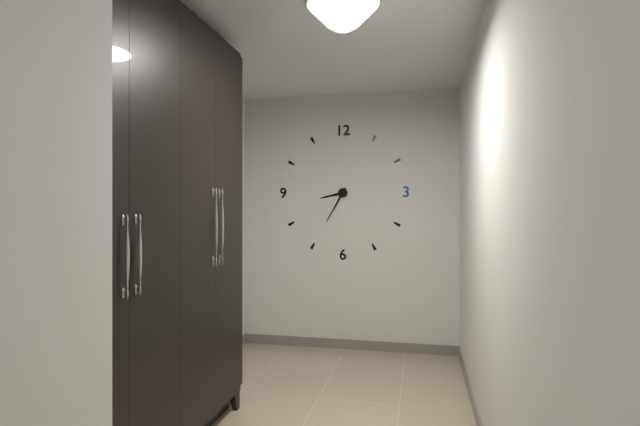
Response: **8:35**
